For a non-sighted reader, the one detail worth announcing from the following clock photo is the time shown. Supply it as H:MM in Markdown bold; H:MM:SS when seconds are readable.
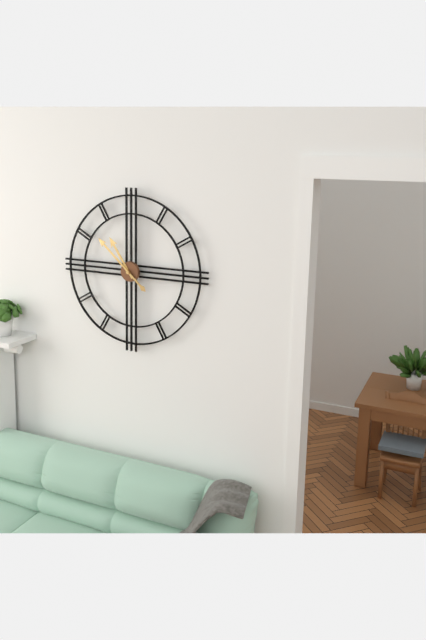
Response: **10:52**
